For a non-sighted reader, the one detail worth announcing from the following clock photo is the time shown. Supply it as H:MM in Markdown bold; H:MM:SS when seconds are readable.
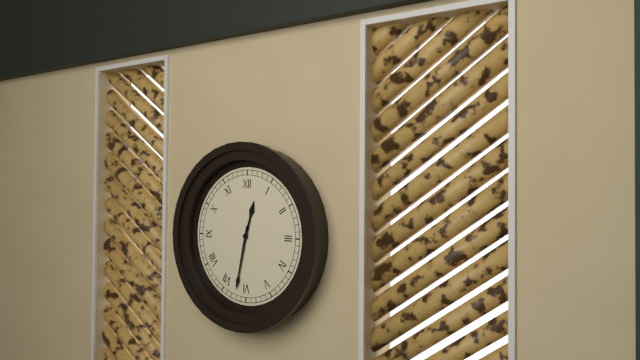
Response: **12:32**
